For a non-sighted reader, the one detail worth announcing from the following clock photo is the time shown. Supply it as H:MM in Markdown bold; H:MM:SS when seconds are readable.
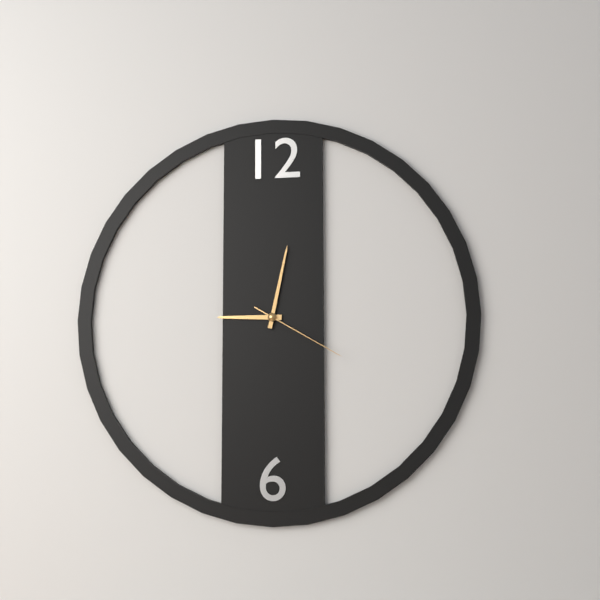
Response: **9:02:20**
